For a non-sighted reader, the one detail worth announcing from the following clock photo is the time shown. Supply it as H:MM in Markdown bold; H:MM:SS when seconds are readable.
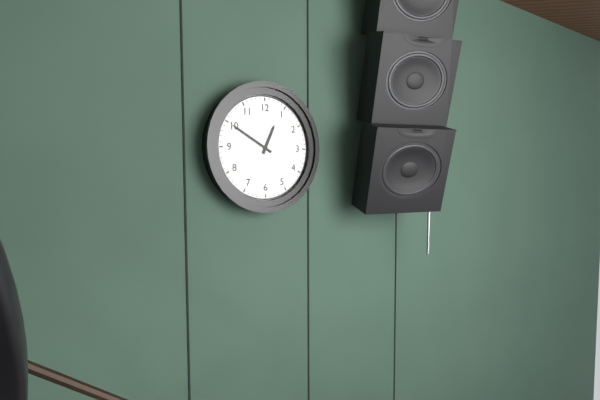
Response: **12:50**
